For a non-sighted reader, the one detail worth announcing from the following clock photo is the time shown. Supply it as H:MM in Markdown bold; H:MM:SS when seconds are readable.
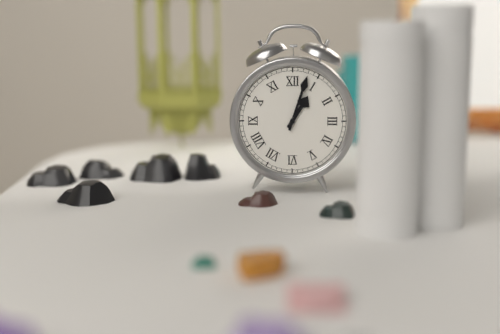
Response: **1:03**
